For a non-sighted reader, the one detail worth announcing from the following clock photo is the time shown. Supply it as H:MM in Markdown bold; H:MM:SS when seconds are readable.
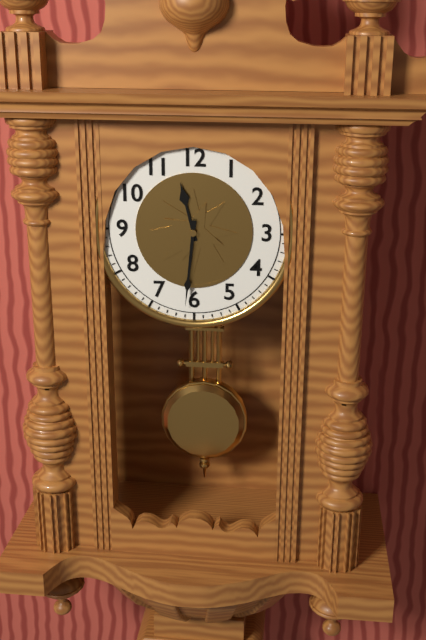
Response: **11:31**
